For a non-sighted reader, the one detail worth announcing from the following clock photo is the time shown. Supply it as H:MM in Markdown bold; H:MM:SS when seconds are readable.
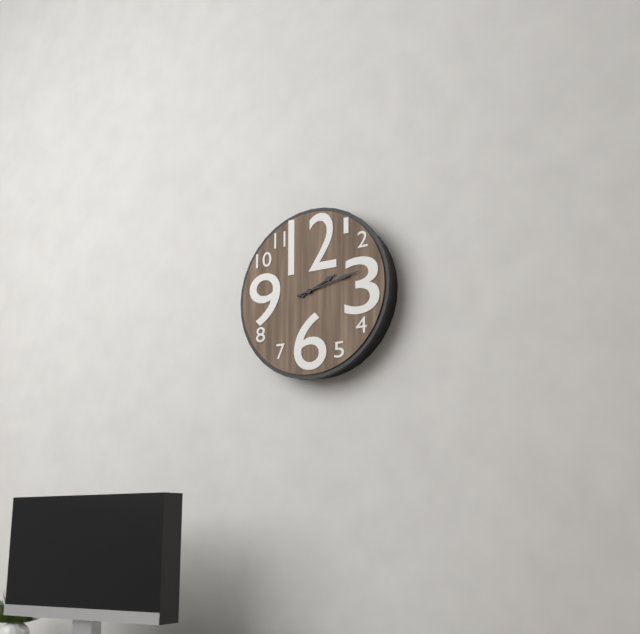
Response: **2:13**
